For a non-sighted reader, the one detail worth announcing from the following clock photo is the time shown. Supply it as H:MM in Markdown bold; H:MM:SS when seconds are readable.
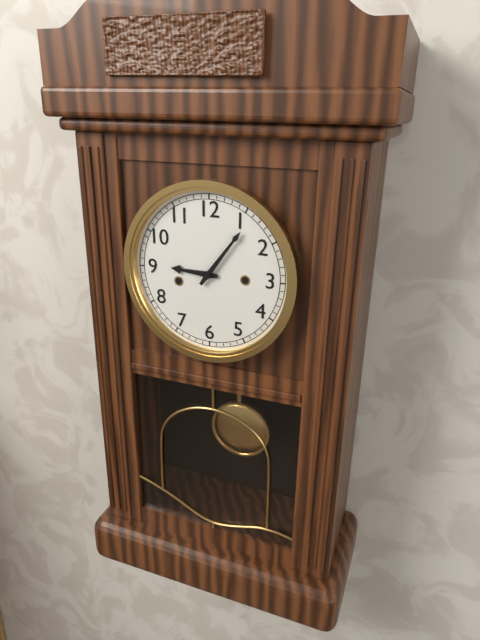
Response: **9:06**
